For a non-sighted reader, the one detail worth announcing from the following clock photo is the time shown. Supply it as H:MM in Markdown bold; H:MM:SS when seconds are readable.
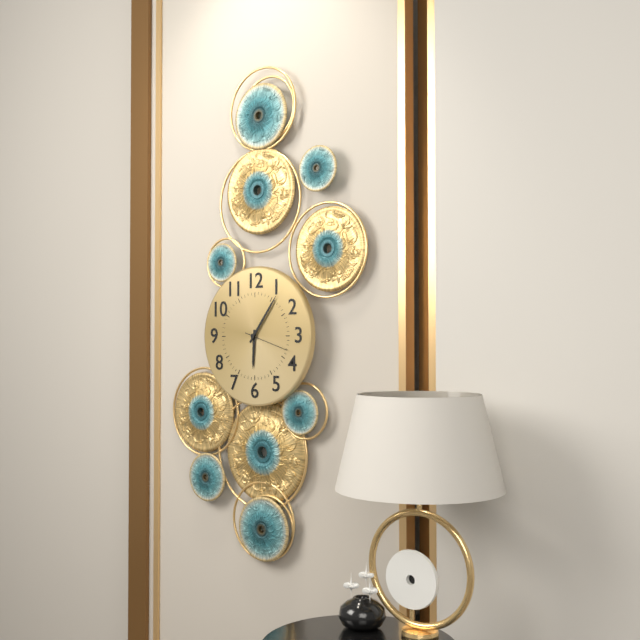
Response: **6:06**
